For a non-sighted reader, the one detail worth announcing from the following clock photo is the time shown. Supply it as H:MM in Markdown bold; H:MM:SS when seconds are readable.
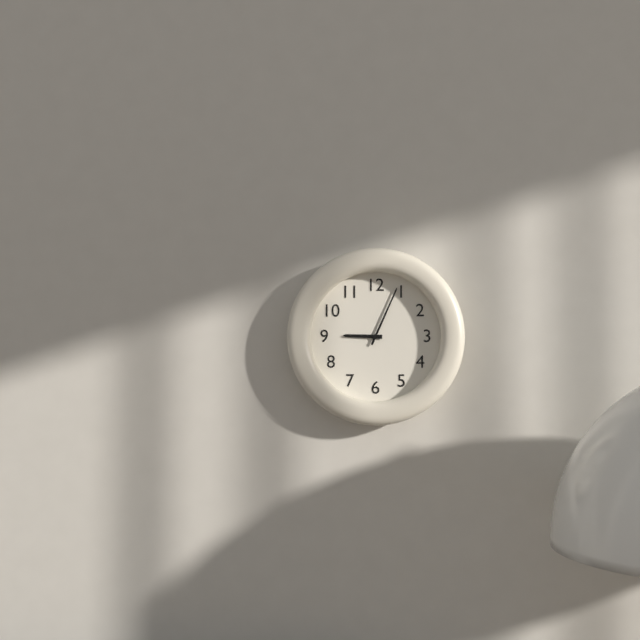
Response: **9:04**
